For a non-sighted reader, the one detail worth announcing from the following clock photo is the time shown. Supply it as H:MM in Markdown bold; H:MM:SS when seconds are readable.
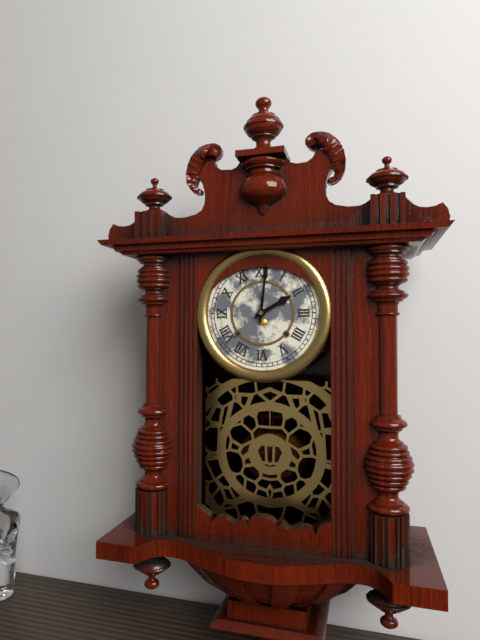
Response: **2:01**
